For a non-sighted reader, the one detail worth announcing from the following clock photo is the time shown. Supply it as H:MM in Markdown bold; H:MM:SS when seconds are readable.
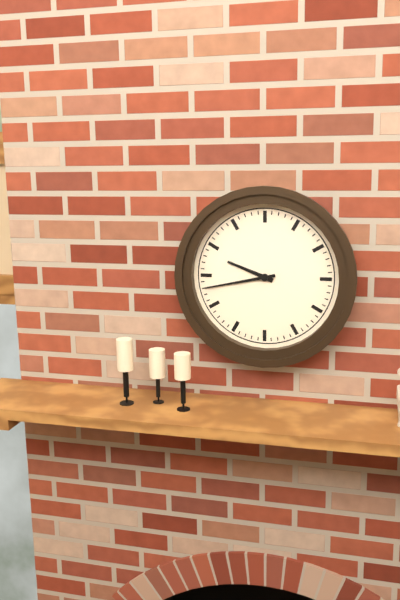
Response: **9:43**
